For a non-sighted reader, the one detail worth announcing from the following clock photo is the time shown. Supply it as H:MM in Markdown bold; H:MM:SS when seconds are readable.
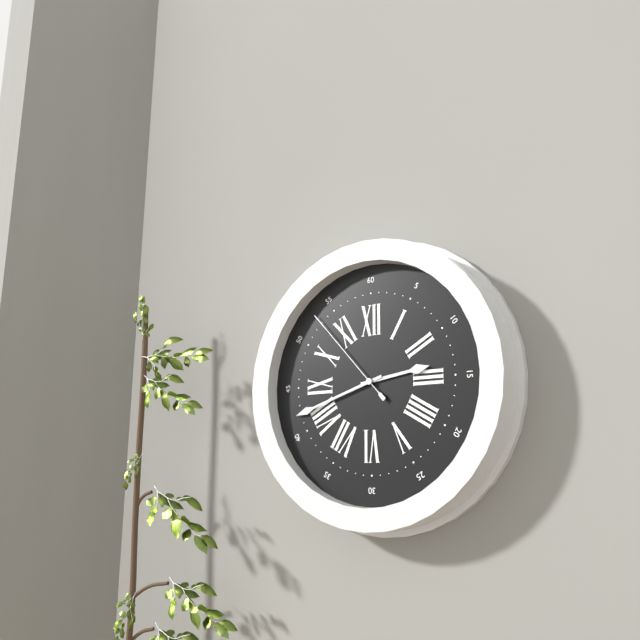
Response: **2:42:53**
